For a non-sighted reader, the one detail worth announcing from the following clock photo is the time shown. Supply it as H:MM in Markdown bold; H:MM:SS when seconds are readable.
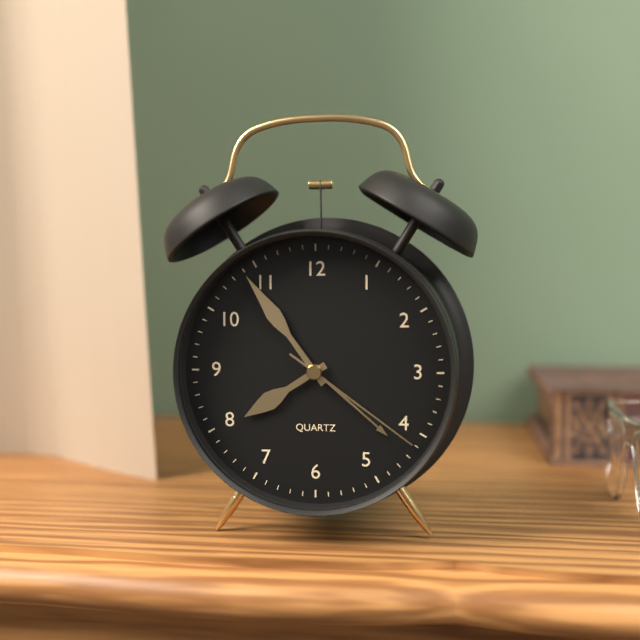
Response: **7:54:21**
